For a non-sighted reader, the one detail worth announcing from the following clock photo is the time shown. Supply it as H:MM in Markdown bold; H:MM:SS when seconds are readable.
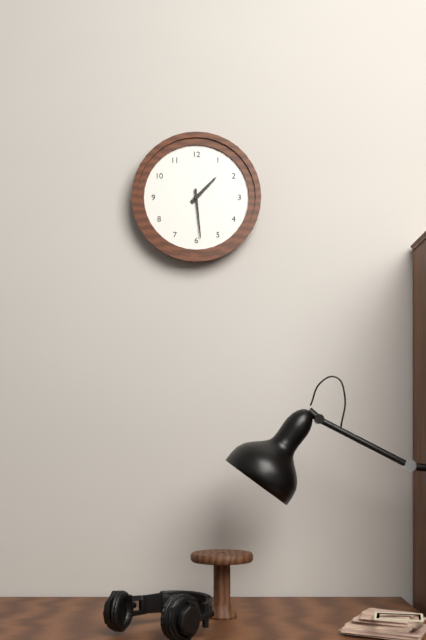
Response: **1:29**
